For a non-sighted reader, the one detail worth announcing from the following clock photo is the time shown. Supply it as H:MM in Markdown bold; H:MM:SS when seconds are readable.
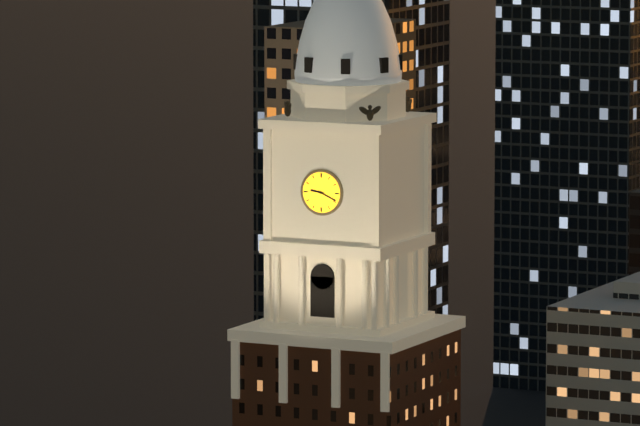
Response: **9:19**
